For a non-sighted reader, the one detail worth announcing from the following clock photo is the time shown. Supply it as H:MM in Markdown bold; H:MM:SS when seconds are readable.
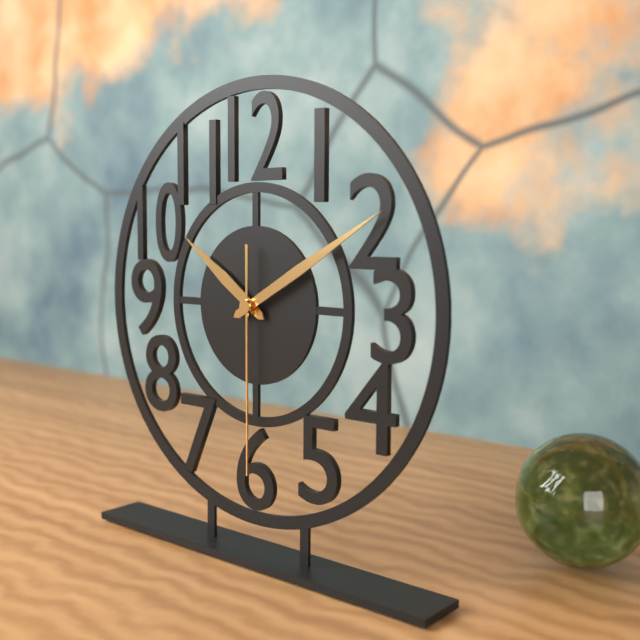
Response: **10:10:30**
